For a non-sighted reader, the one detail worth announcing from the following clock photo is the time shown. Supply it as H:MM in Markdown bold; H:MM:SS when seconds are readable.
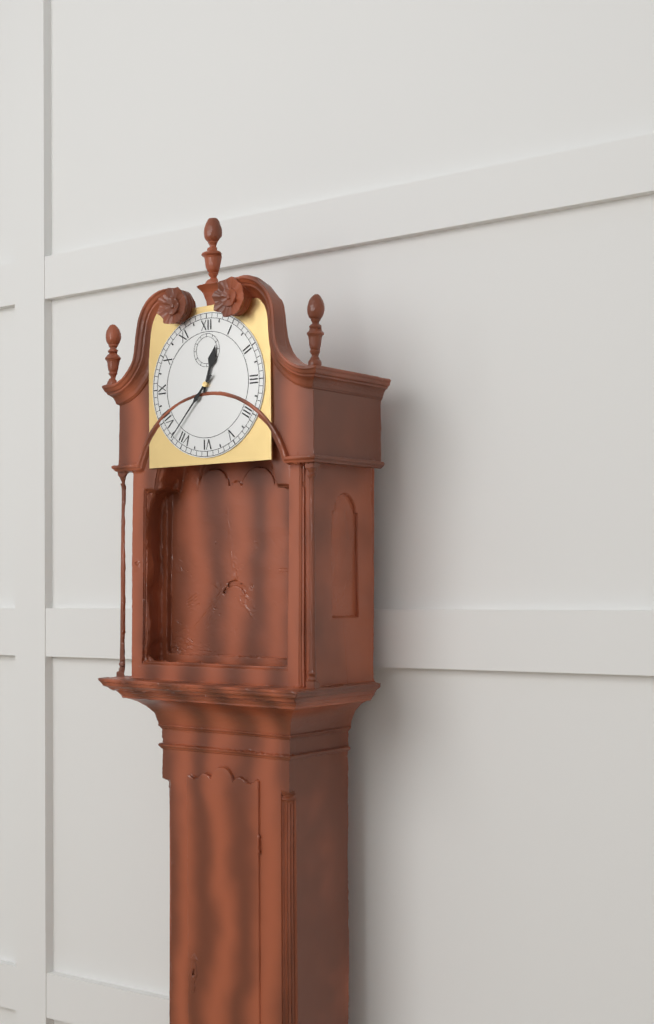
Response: **12:37**
